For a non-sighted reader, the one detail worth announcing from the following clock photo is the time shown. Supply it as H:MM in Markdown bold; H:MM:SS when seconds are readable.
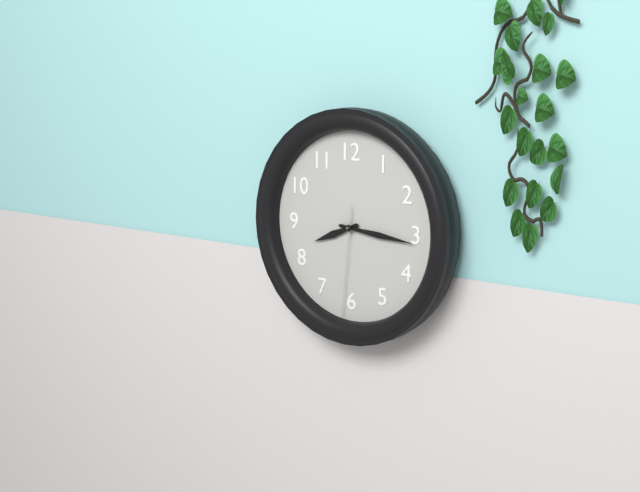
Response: **8:16:31**
